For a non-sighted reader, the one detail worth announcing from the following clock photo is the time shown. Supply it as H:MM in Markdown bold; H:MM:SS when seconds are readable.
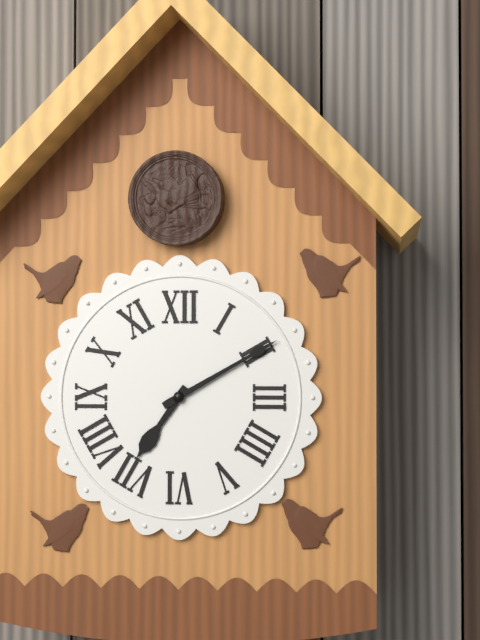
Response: **7:10**
